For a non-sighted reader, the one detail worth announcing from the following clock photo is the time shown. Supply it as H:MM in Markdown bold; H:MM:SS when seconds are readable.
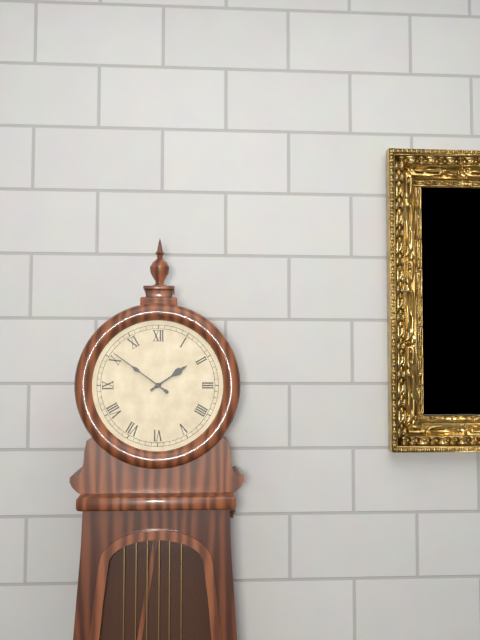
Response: **1:51**
